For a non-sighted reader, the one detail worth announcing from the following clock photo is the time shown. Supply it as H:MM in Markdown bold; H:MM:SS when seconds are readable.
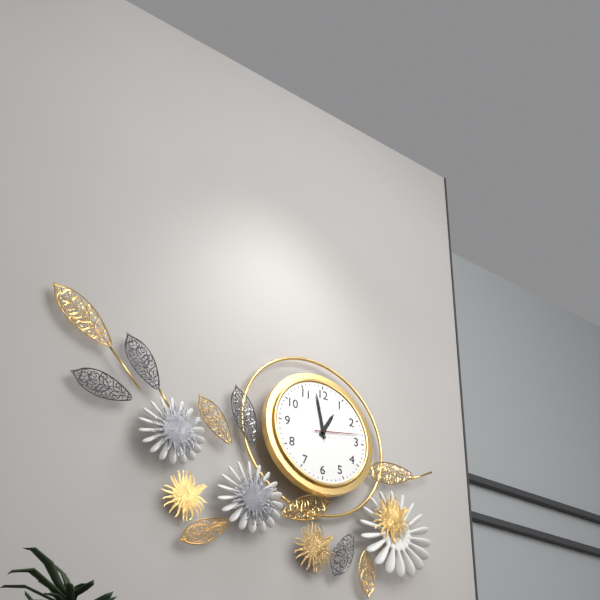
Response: **12:58**
